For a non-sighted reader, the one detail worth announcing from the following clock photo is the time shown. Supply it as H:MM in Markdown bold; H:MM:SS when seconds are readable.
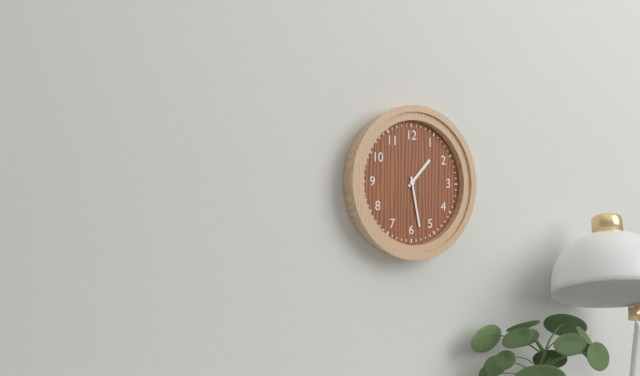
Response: **1:28**
